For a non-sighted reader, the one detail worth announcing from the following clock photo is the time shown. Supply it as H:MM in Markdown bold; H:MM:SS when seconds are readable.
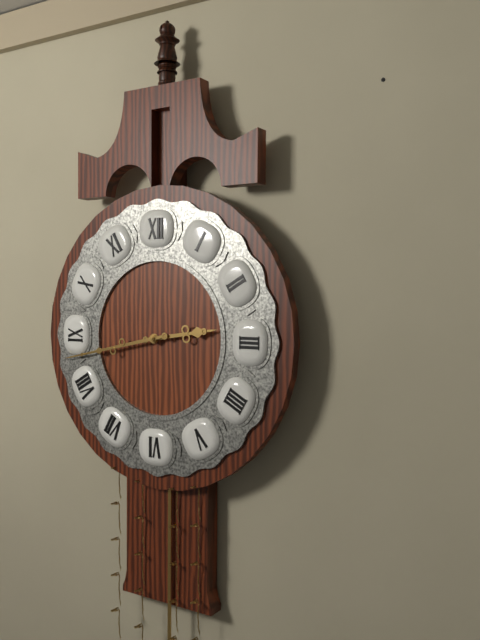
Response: **2:43**
